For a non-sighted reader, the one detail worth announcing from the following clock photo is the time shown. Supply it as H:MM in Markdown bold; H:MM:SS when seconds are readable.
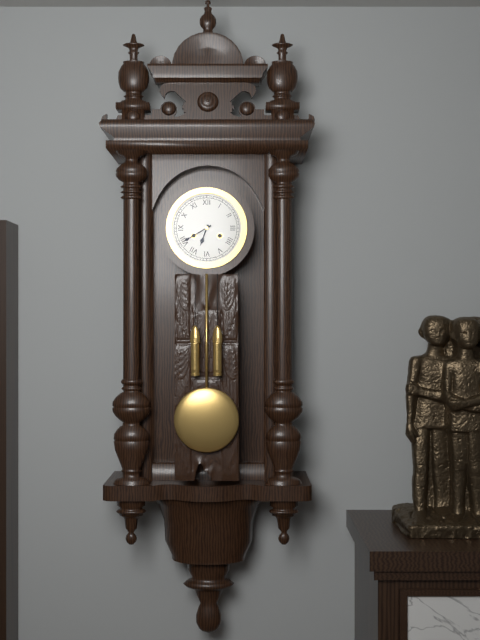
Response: **6:40**
